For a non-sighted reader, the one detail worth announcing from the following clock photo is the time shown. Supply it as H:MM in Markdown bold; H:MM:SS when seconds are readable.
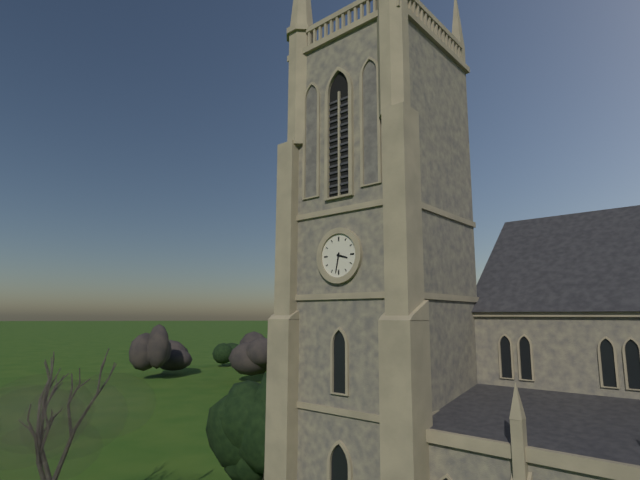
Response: **3:32**
